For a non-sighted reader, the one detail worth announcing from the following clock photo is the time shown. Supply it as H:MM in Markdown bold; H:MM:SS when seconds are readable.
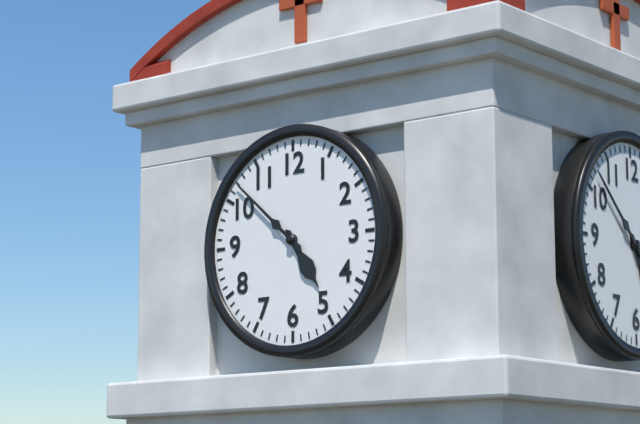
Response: **4:52**
